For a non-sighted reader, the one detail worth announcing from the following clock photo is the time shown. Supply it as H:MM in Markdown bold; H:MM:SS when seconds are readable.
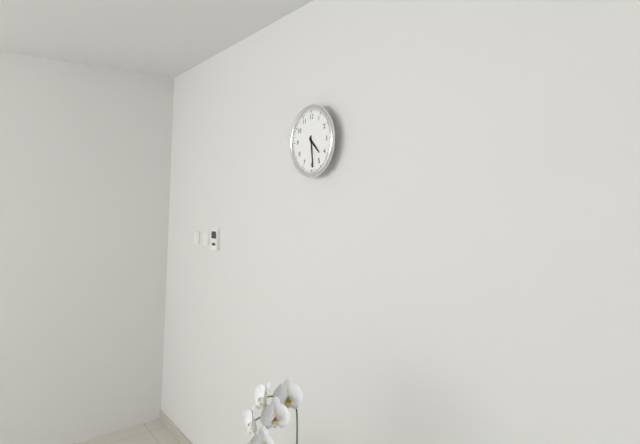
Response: **4:29**
